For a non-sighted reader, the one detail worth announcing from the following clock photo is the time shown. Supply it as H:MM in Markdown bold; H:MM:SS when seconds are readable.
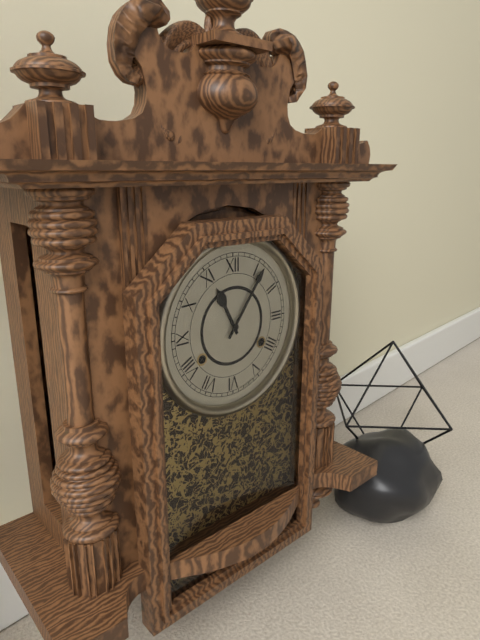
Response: **11:06**
